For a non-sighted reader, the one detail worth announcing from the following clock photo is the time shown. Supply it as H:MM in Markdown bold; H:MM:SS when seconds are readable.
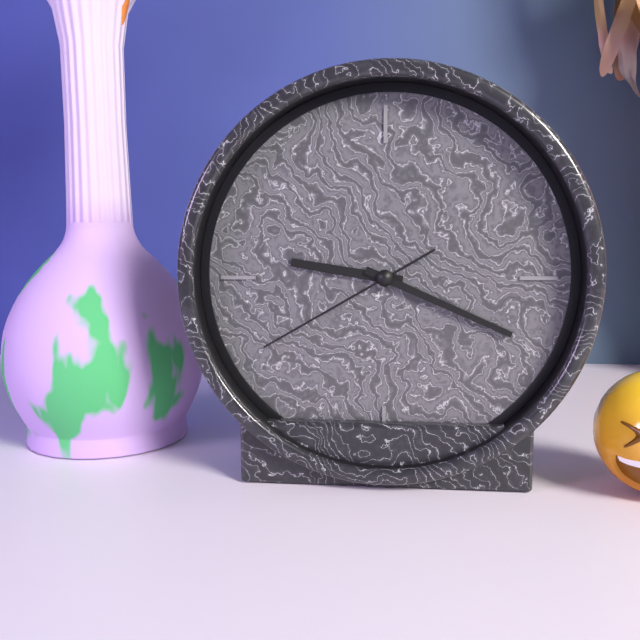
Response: **9:19:40**
